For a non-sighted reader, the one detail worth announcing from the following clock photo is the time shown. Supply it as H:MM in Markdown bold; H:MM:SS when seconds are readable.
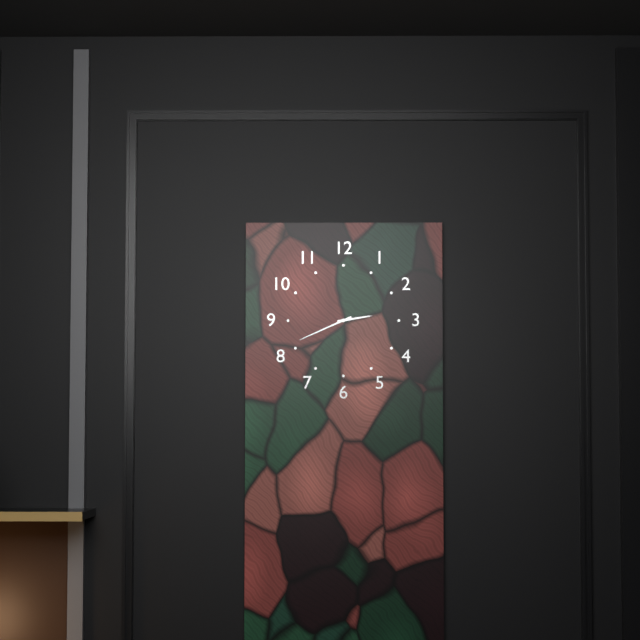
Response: **2:41**
